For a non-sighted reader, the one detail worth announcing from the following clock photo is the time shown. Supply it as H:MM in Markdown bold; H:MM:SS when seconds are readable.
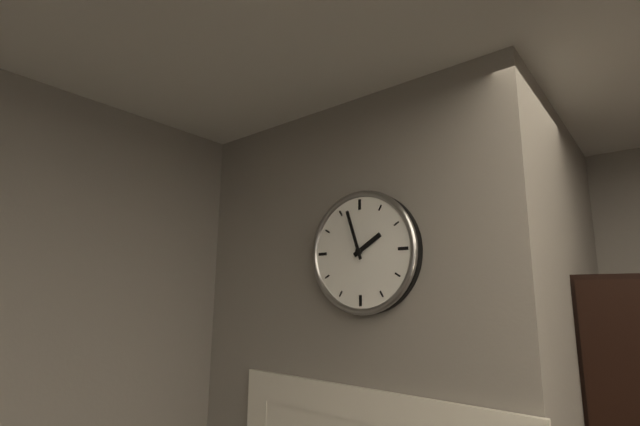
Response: **1:57**
